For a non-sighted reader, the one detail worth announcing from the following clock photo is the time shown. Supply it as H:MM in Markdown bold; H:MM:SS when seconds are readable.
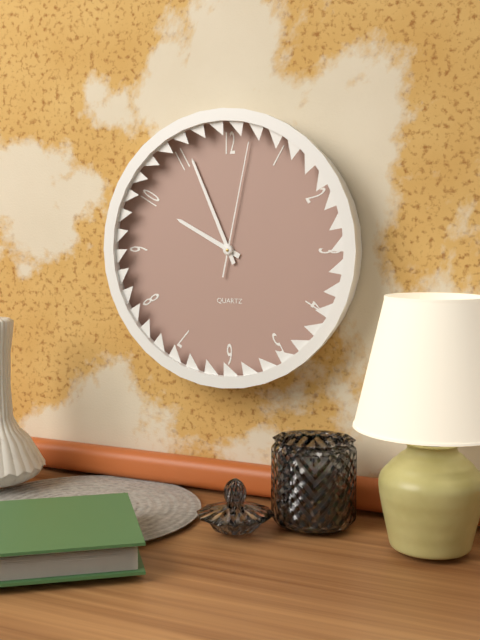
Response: **9:56:02**
